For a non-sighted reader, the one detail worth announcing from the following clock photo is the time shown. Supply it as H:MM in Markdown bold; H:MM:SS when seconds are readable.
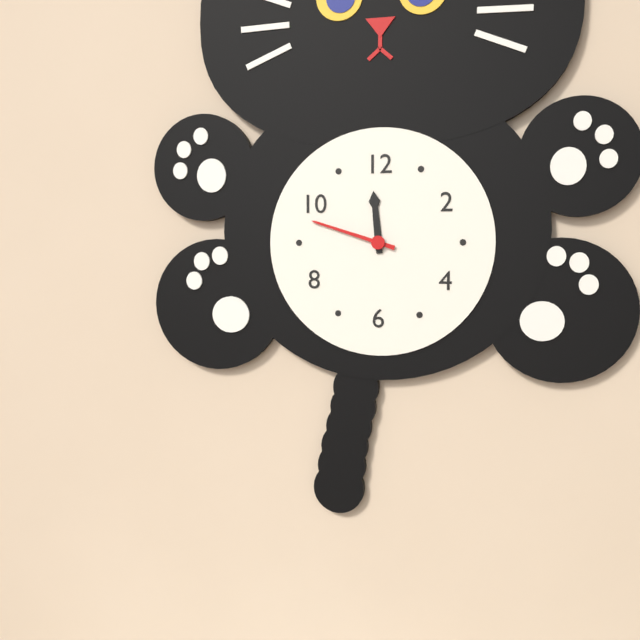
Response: **11:48**
